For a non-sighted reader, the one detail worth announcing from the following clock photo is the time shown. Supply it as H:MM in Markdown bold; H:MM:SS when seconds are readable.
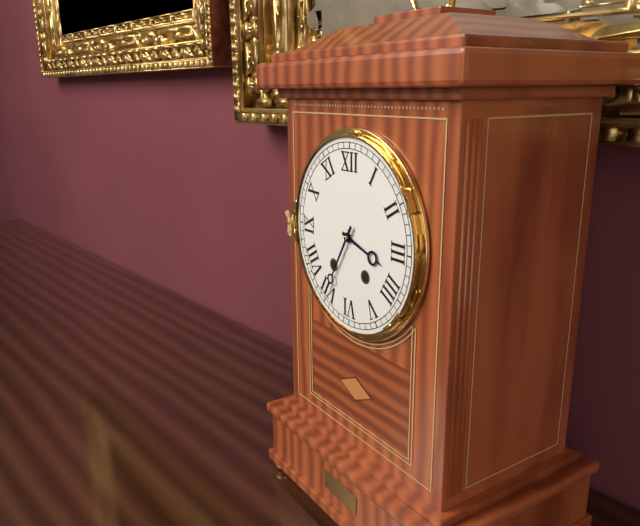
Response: **3:35**
